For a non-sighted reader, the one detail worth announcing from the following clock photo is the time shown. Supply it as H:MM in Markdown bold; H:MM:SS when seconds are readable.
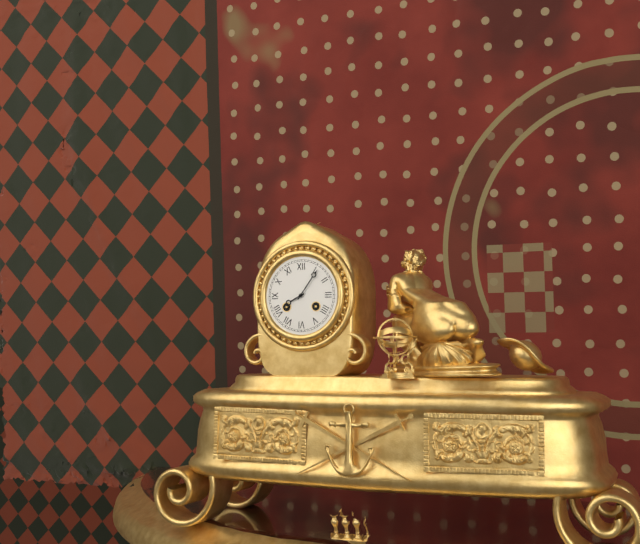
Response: **8:06**
